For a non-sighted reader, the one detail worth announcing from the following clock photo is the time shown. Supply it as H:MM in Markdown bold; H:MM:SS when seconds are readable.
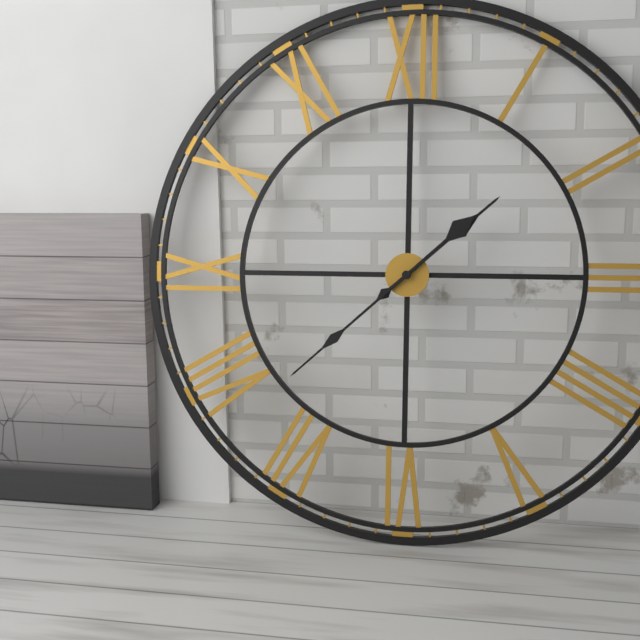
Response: **1:38**
